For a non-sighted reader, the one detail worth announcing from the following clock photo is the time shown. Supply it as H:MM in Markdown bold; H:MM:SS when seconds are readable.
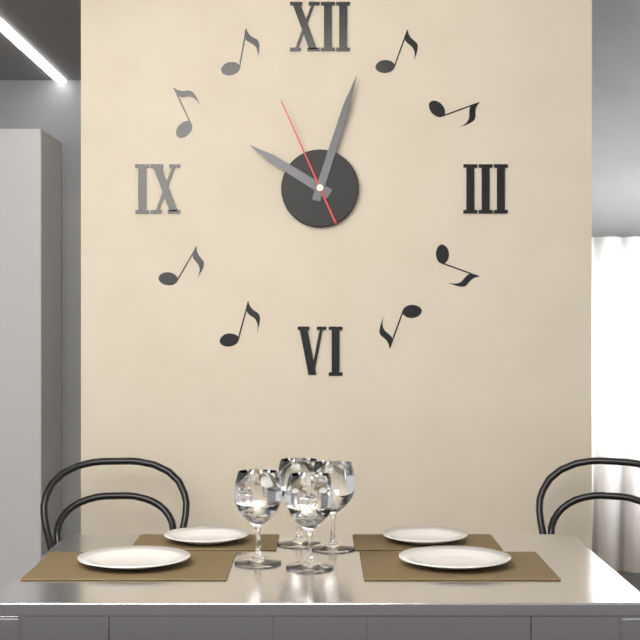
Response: **10:03:56**
